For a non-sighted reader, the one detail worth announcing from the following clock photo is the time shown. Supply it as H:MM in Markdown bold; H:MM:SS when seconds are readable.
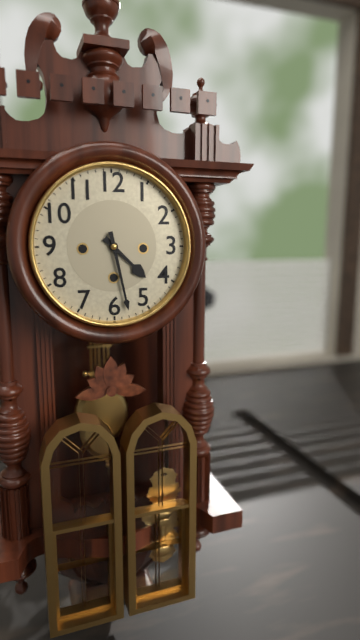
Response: **4:28**
